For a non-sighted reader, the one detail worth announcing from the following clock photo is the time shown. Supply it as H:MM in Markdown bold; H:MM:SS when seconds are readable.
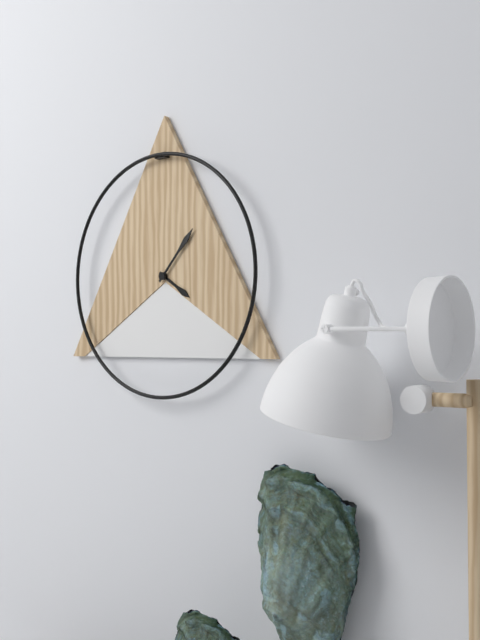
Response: **4:07**
